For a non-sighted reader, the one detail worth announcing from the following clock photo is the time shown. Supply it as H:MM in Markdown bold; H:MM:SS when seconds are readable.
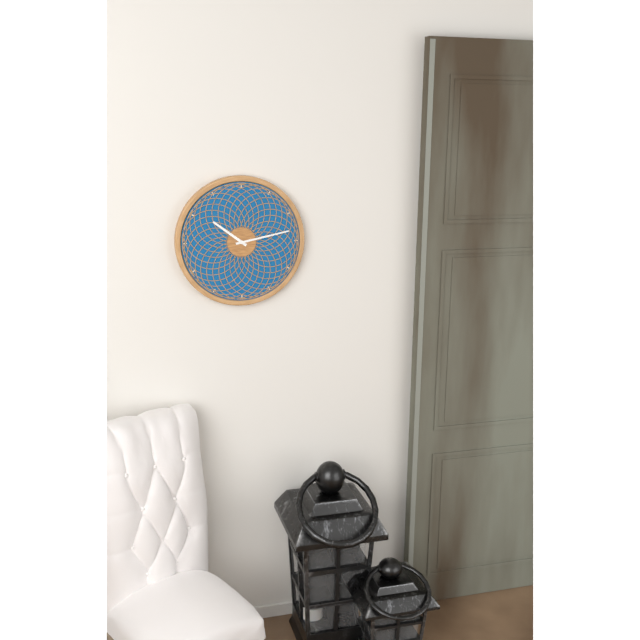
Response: **10:13**
